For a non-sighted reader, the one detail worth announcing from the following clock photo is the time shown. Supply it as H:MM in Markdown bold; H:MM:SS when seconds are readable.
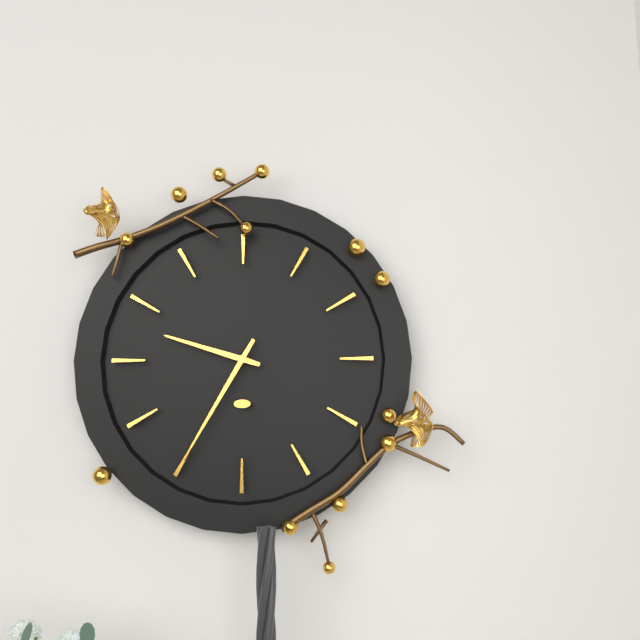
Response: **9:35**
